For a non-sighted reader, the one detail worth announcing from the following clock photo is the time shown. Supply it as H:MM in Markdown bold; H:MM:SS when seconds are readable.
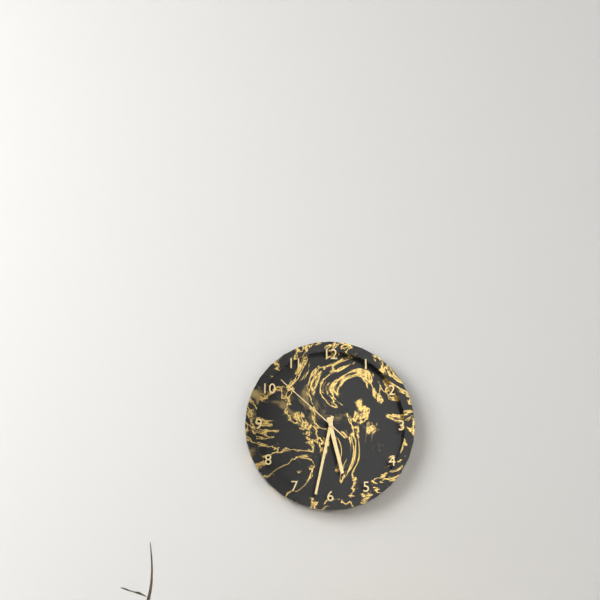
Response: **5:32:52**
